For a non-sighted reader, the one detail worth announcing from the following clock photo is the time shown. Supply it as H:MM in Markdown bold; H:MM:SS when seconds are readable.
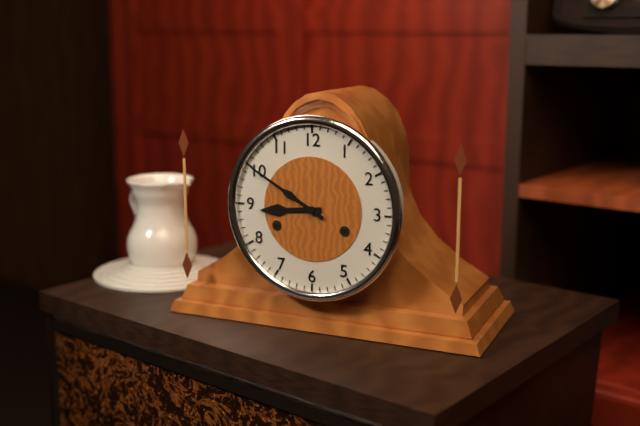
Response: **8:50**
